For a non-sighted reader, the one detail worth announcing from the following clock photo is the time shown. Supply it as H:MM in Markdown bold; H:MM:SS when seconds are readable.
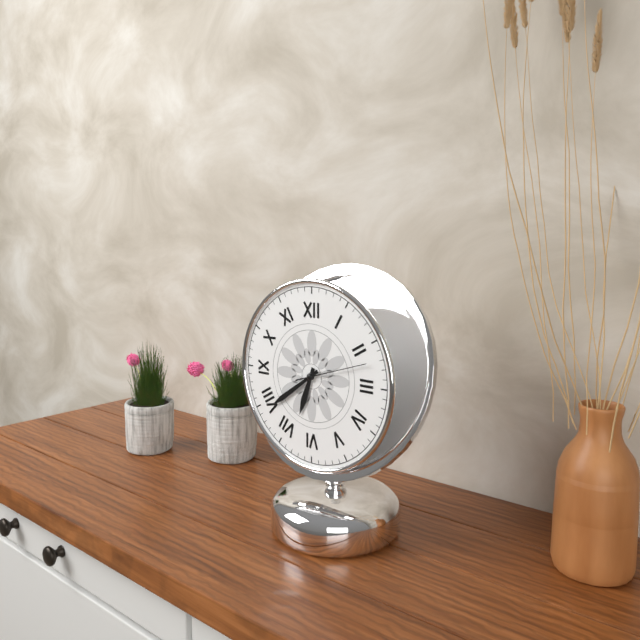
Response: **6:39:12**
